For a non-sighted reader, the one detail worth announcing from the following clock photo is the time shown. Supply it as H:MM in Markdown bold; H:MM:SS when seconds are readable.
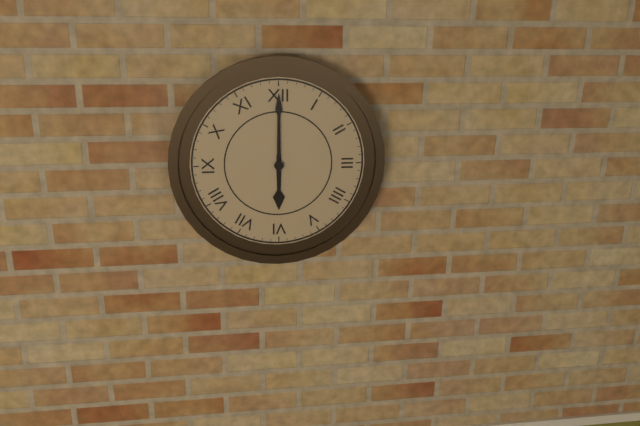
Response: **6:00**
